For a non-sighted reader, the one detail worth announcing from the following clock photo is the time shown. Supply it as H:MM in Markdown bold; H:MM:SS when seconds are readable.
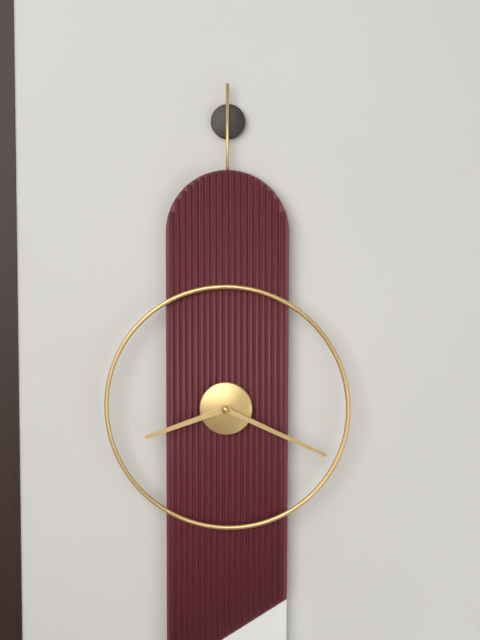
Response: **8:19**
